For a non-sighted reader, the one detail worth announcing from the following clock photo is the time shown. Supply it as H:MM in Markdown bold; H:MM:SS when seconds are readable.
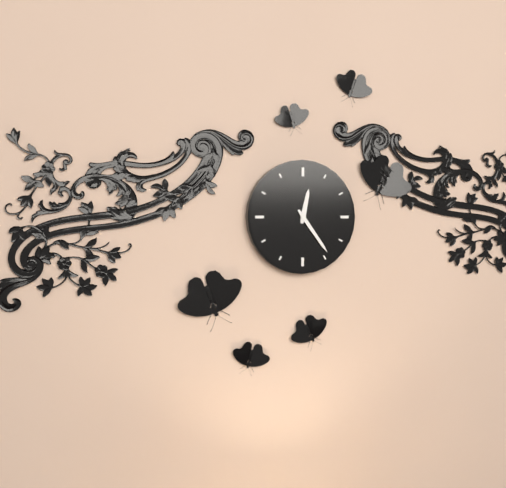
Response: **12:24**
